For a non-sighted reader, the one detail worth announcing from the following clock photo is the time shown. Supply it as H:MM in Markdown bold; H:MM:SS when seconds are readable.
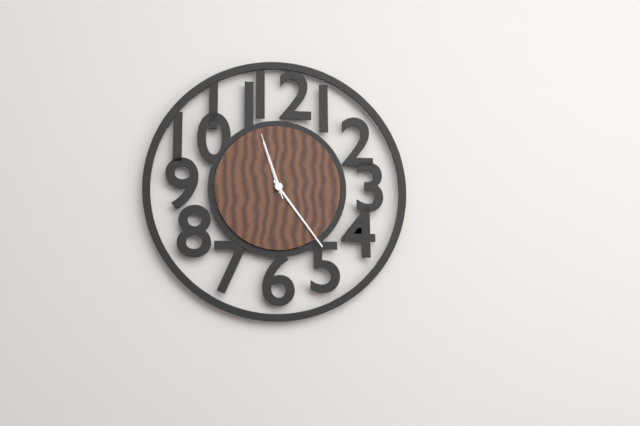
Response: **11:24:57**
